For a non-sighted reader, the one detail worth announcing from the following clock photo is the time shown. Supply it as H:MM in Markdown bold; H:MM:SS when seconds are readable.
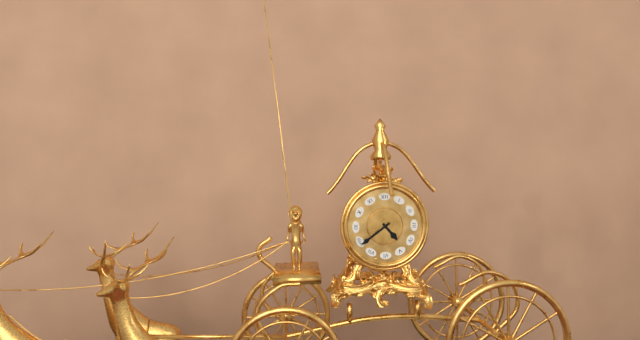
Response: **4:39**
